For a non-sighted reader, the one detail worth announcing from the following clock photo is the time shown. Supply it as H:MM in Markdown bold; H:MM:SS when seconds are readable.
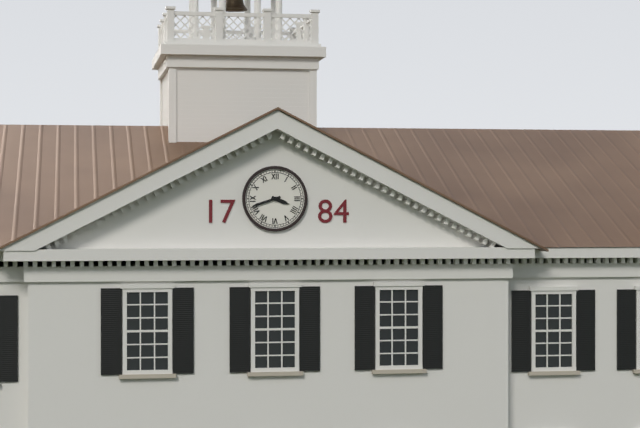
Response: **3:42**
